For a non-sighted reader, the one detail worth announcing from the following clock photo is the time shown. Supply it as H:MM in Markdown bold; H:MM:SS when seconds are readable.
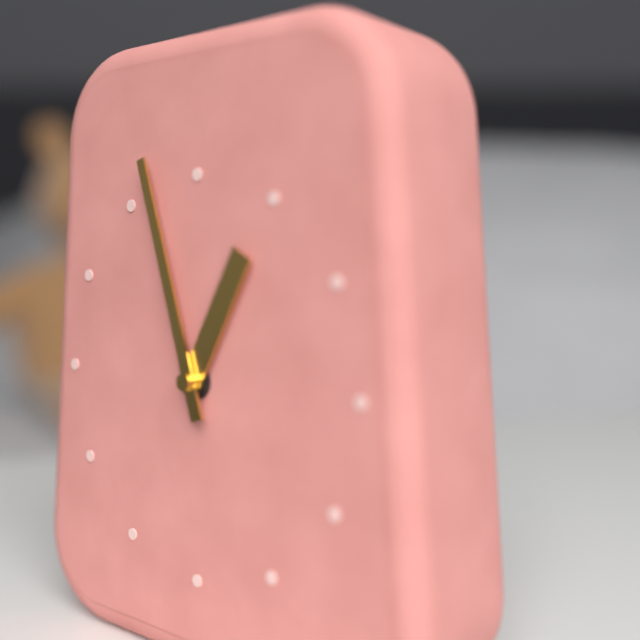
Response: **12:57**
